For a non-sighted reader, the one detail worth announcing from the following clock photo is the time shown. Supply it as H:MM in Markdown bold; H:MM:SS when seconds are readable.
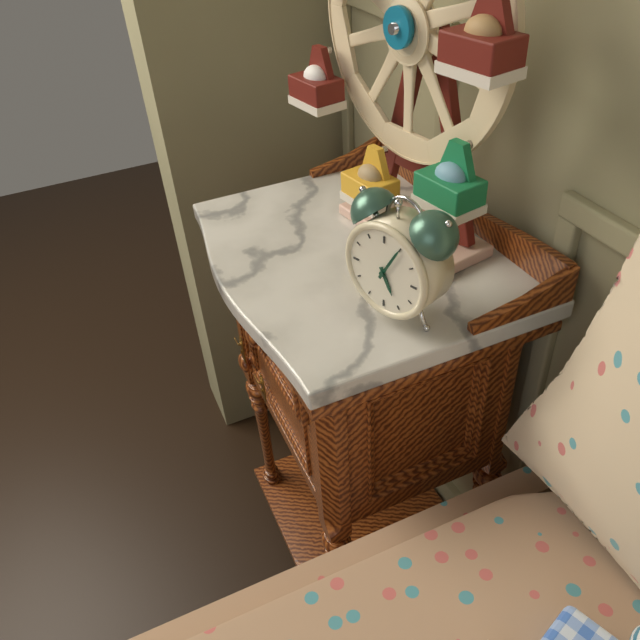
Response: **5:05**
